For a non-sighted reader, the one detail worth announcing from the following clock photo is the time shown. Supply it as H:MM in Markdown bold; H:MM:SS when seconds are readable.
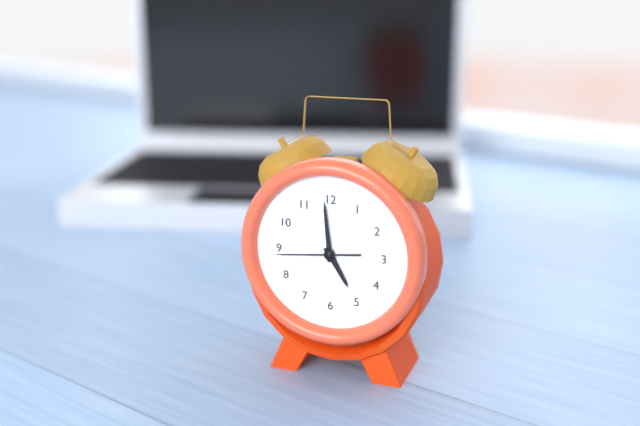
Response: **4:59:44**
